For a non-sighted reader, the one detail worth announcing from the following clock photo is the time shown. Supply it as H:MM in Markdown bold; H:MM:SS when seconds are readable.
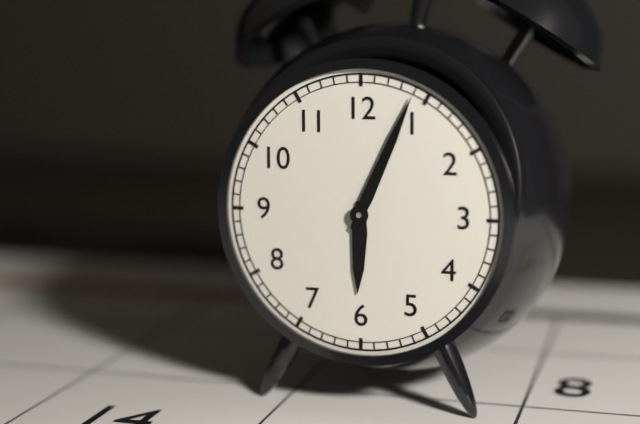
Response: **6:04**
